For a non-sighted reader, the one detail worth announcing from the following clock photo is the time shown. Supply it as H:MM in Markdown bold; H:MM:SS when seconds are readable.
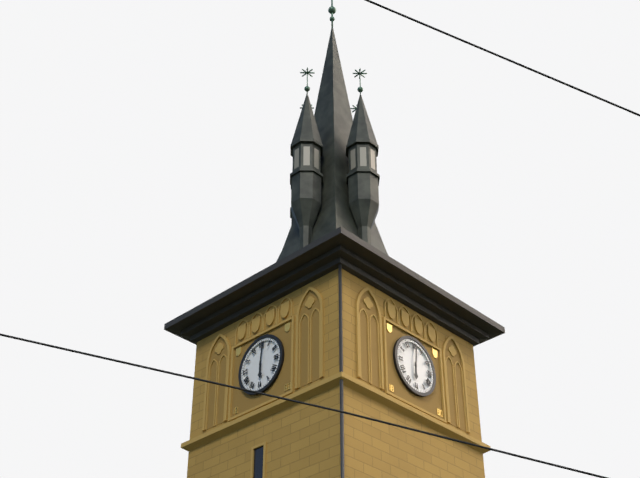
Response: **6:01**
